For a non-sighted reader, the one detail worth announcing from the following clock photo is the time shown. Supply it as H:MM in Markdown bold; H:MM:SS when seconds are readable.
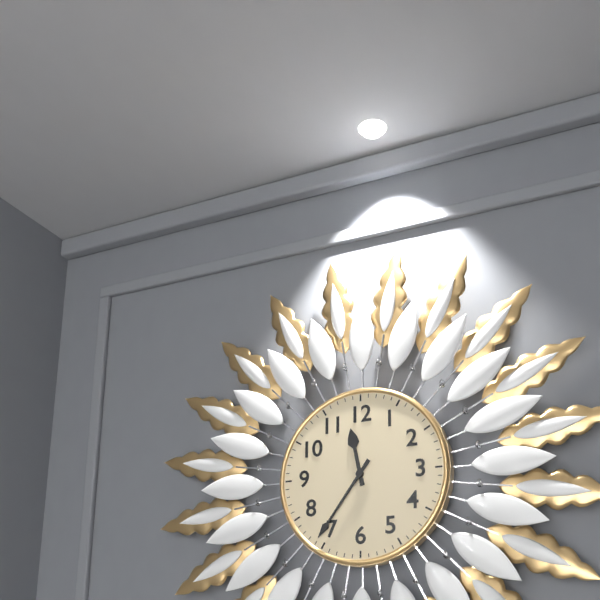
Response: **11:36**
